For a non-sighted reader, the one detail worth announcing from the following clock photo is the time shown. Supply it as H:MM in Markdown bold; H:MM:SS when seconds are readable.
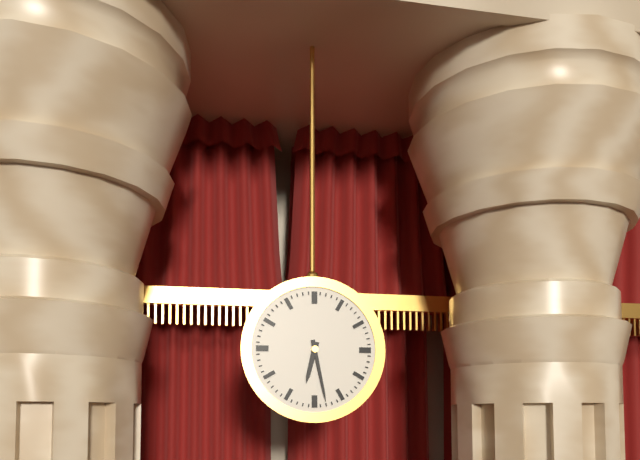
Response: **6:28**
